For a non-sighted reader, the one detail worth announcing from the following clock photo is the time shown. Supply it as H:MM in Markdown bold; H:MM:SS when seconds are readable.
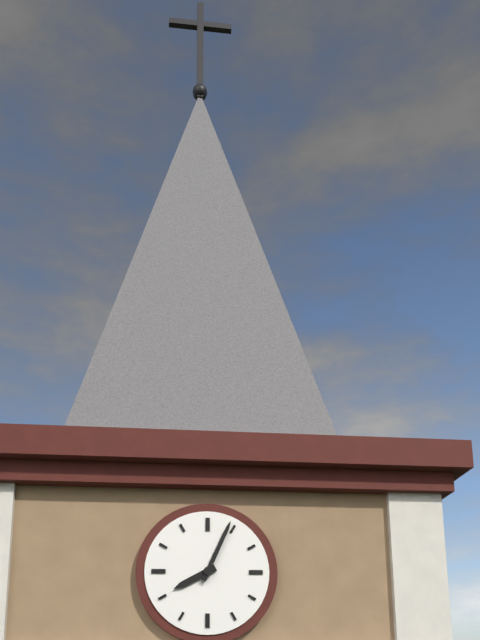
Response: **8:04**
